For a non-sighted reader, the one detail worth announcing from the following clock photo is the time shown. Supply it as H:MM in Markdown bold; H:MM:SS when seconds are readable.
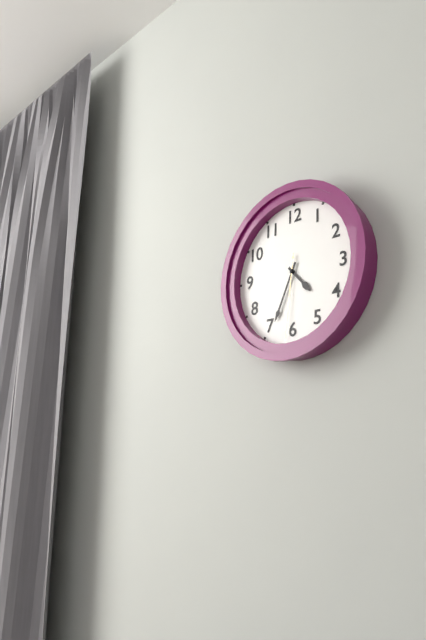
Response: **4:34:31**
